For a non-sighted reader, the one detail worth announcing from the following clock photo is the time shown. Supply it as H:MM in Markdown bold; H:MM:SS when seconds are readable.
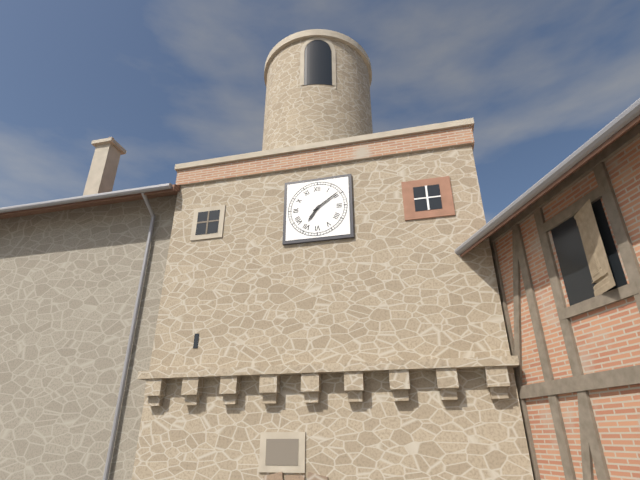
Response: **7:09**
